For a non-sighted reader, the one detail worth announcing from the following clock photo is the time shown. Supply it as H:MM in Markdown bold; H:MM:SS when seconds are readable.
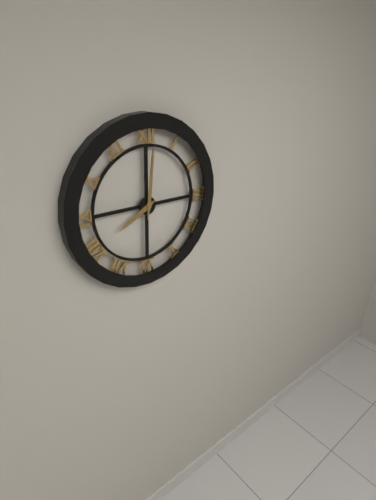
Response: **8:01**
